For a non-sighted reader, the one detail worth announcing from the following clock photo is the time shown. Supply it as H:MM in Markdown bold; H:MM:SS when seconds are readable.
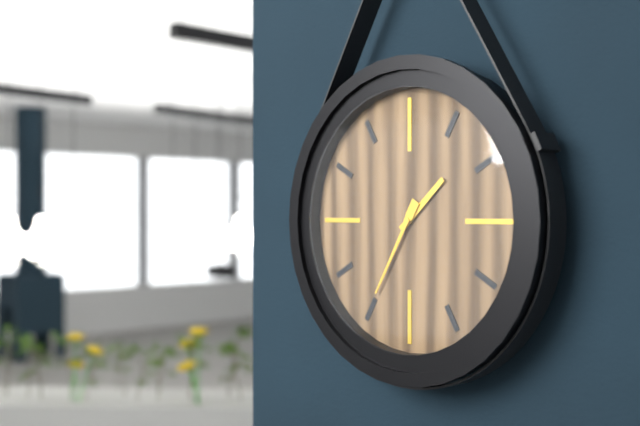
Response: **1:35**
